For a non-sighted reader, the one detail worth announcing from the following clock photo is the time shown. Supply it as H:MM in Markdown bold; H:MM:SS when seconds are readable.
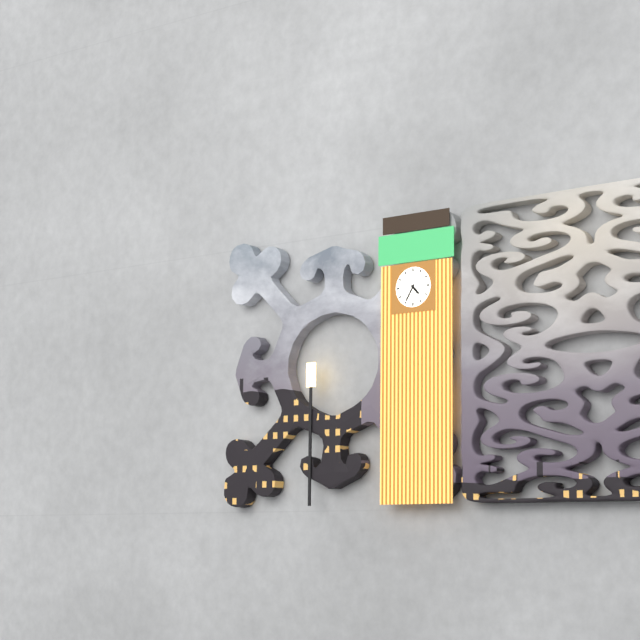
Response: **4:35**
